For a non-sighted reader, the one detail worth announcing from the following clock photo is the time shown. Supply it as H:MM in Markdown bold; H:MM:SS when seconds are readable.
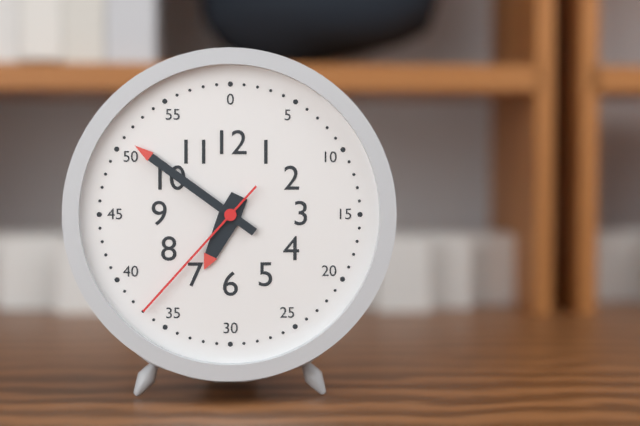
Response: **6:51:37**
